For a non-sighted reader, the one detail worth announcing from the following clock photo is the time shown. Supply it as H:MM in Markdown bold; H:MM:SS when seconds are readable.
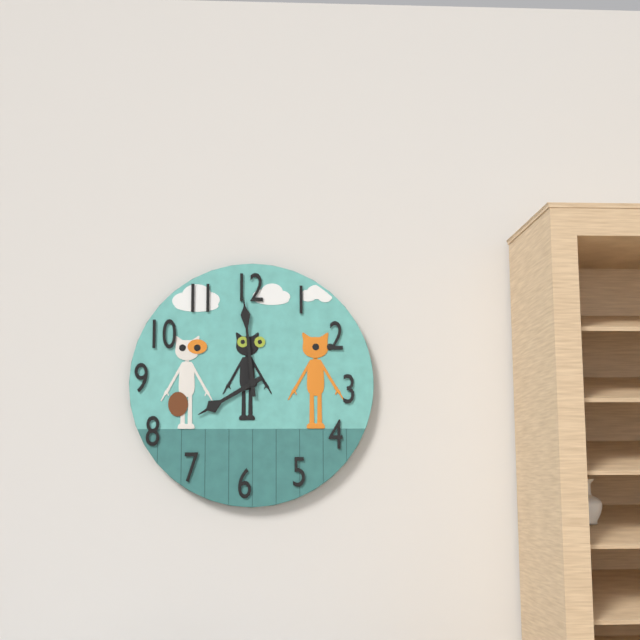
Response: **7:59**
